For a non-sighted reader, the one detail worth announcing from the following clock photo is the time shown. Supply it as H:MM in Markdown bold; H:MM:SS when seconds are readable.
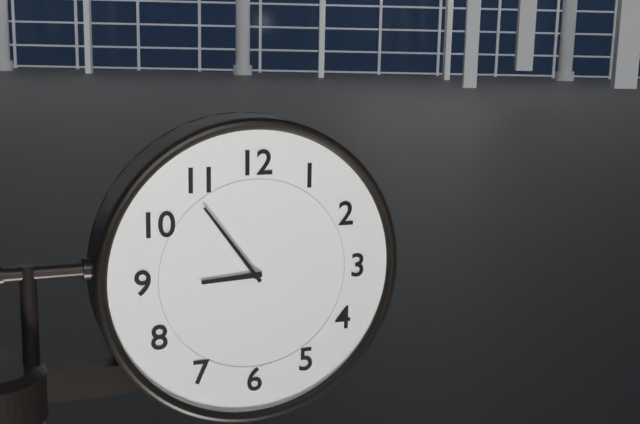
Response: **8:54**
